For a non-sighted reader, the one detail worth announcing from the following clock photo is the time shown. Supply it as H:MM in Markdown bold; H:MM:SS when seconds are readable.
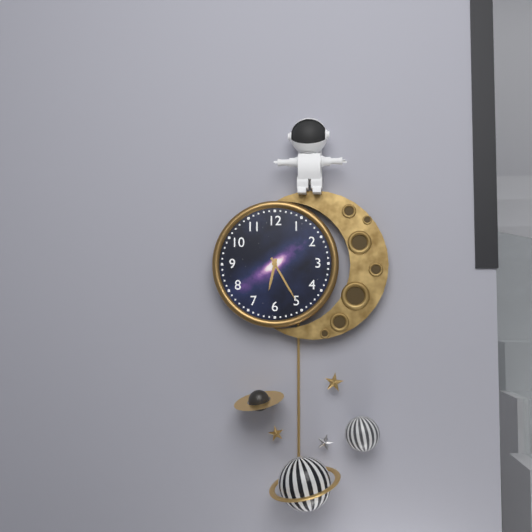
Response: **6:25**
